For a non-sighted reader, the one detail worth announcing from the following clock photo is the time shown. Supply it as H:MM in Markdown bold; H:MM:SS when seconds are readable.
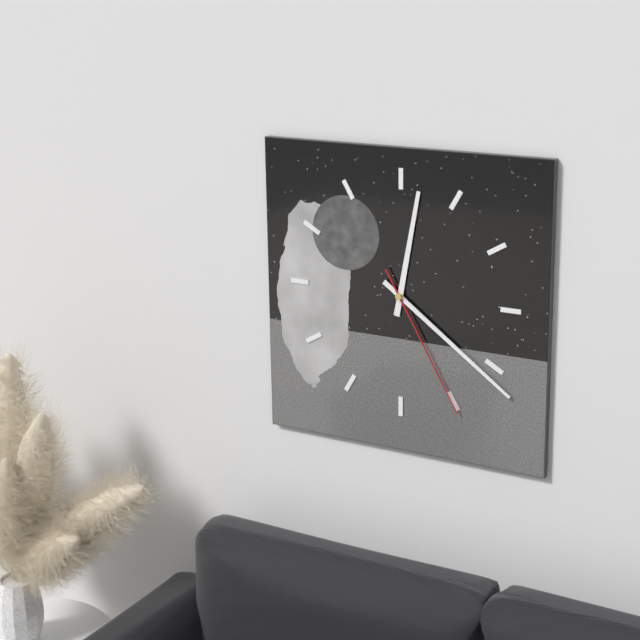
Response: **12:21:25**
